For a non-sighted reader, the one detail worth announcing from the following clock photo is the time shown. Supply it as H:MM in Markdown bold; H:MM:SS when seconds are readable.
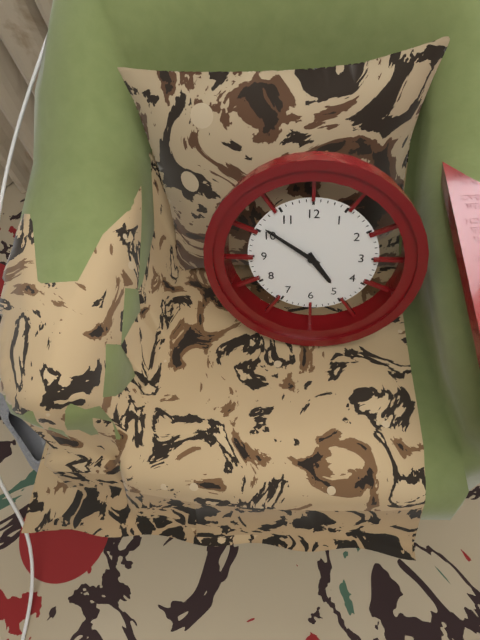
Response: **4:51**
